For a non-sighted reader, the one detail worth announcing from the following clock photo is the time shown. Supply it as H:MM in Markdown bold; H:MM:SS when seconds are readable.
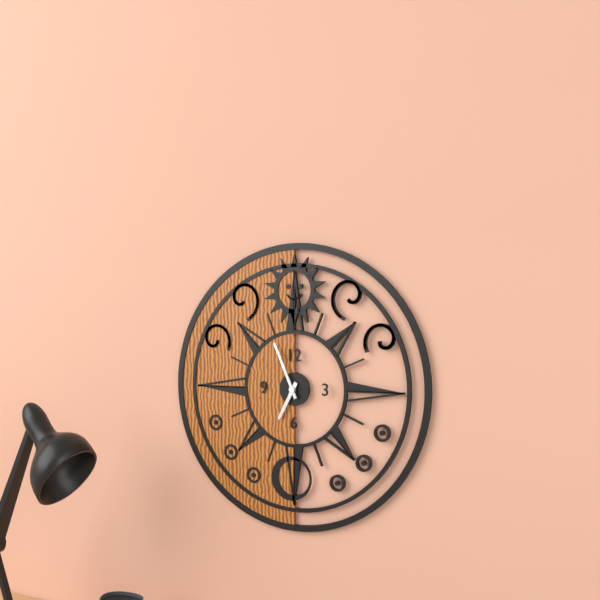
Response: **6:56**
